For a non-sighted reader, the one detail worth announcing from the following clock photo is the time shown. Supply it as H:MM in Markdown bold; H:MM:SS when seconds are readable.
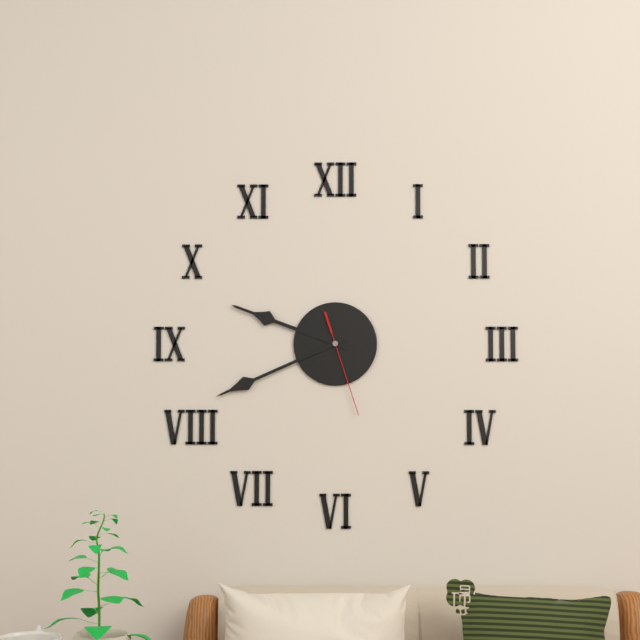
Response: **9:41:27**
